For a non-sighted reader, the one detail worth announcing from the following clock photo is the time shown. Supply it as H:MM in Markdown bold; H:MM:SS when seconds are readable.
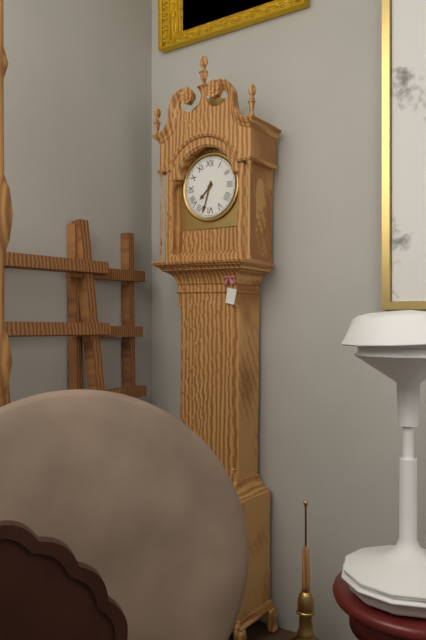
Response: **7:33**
